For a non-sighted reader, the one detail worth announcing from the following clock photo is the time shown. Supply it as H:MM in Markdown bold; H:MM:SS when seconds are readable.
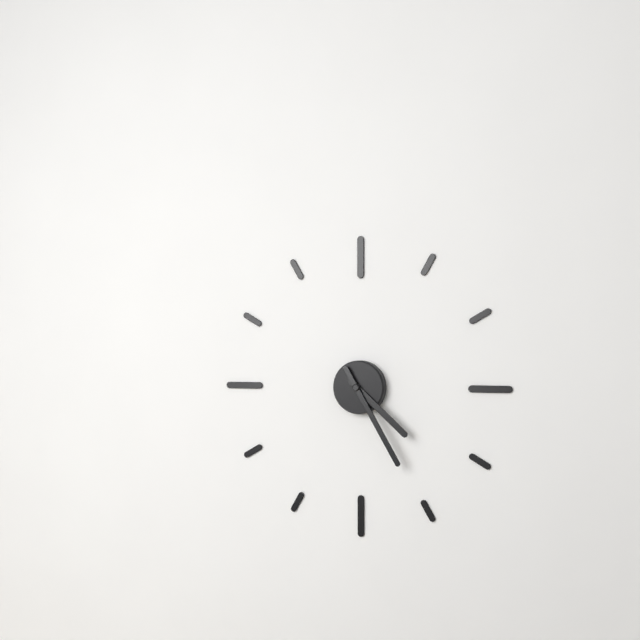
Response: **4:25**
